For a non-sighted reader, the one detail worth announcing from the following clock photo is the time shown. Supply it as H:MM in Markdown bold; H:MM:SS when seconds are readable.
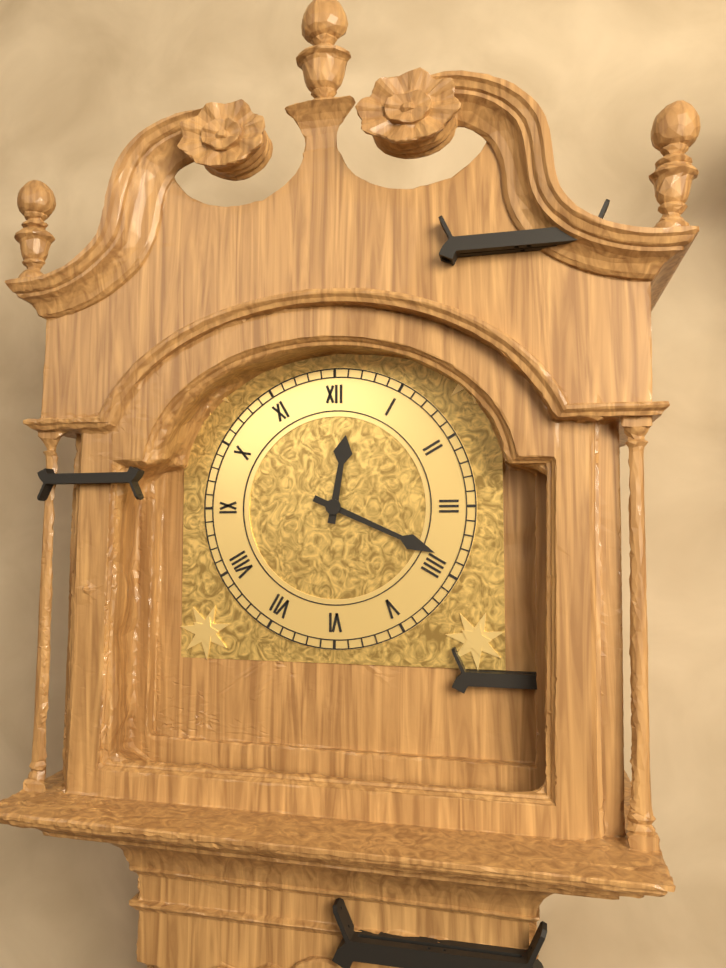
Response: **12:19**
